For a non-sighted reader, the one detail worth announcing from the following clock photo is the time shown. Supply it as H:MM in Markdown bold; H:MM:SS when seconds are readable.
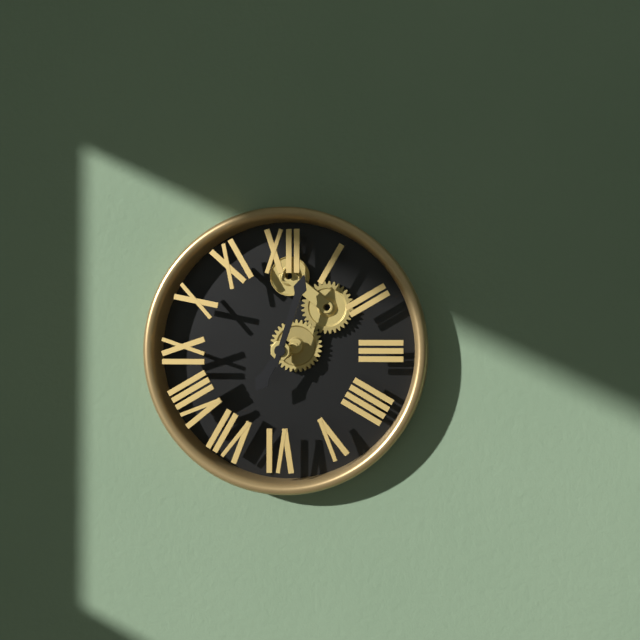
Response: **7:03**
